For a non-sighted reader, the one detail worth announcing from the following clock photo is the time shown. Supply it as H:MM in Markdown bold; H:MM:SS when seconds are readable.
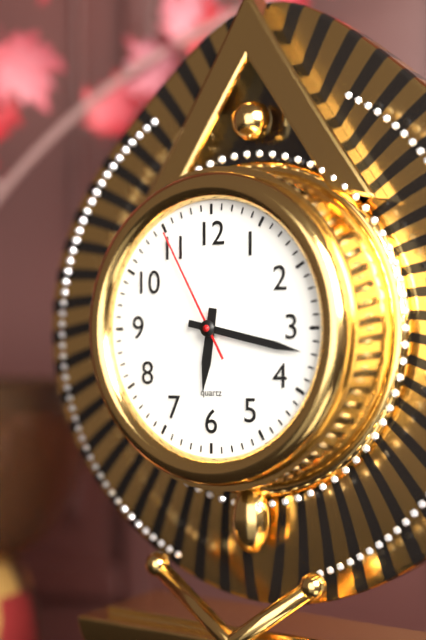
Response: **6:17:55**
